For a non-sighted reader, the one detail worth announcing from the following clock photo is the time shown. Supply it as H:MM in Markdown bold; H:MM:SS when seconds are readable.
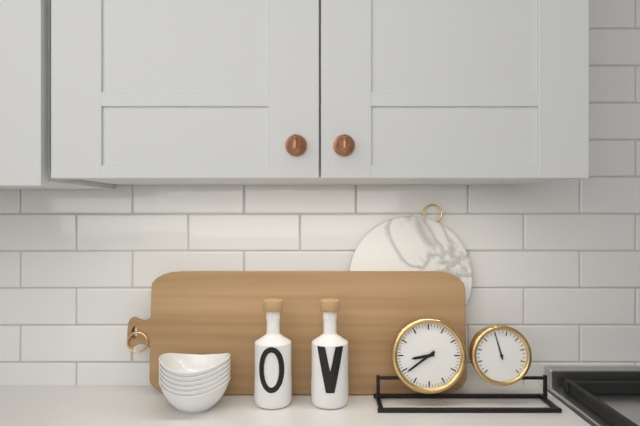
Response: **8:39**
